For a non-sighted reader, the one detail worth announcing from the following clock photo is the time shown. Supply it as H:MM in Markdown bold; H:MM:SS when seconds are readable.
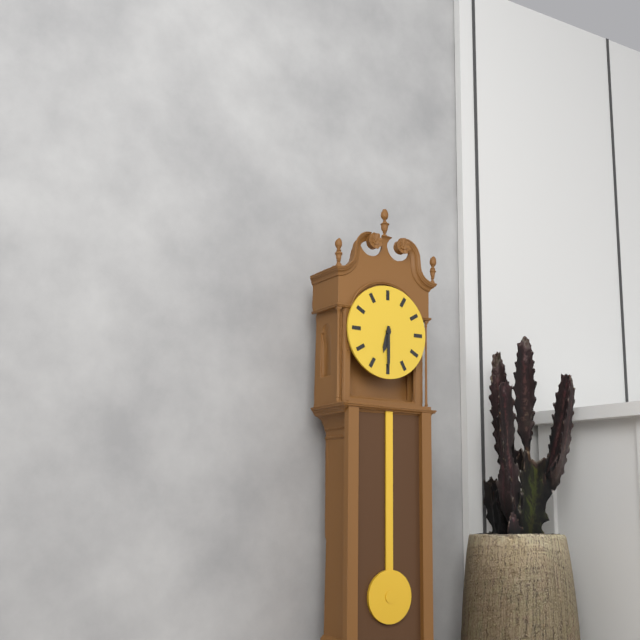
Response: **6:30**
